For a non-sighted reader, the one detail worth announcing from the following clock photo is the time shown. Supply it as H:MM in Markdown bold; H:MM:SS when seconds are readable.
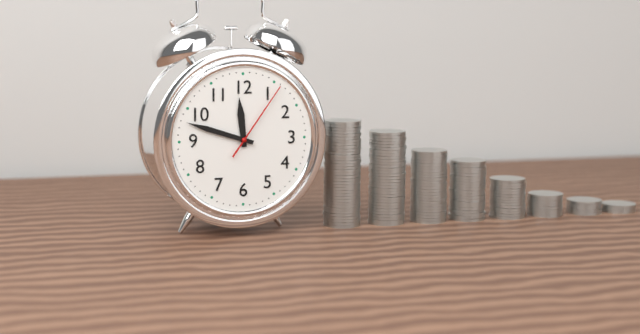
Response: **11:48:06**
